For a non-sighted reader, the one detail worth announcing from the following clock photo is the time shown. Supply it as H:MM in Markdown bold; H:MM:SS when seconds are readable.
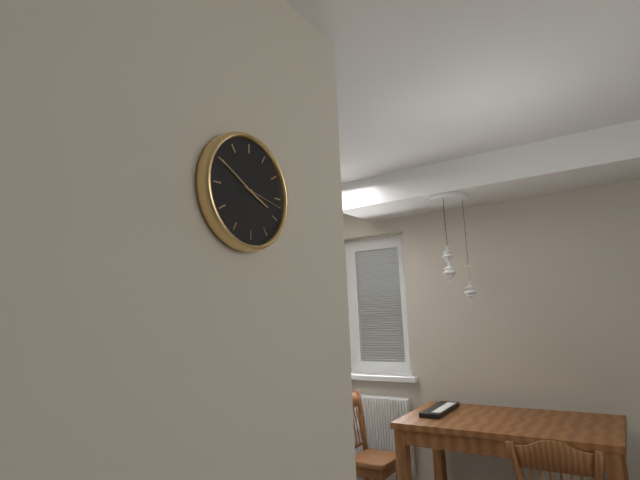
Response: **3:50:17**
